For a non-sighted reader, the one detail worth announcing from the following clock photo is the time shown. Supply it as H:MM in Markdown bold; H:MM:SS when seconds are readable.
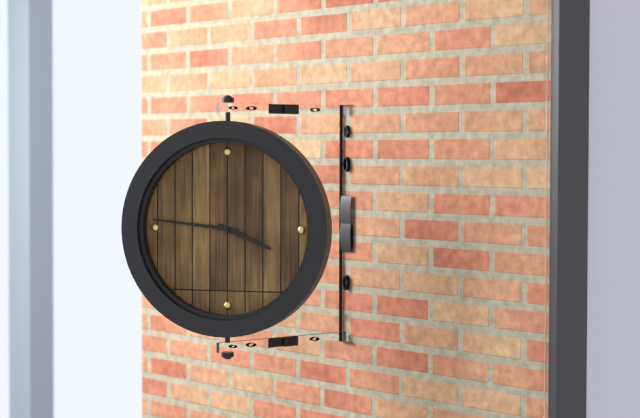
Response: **3:46**
